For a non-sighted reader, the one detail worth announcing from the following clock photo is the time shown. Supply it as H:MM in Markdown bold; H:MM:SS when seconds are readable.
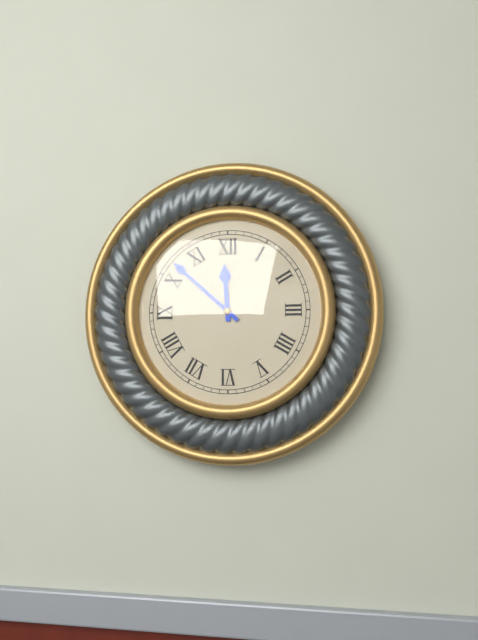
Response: **11:52**
